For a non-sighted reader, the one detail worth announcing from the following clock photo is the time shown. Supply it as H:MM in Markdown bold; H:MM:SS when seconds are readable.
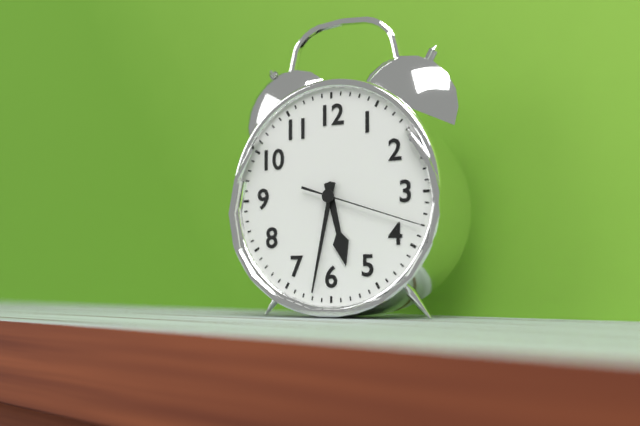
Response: **5:32:18**
